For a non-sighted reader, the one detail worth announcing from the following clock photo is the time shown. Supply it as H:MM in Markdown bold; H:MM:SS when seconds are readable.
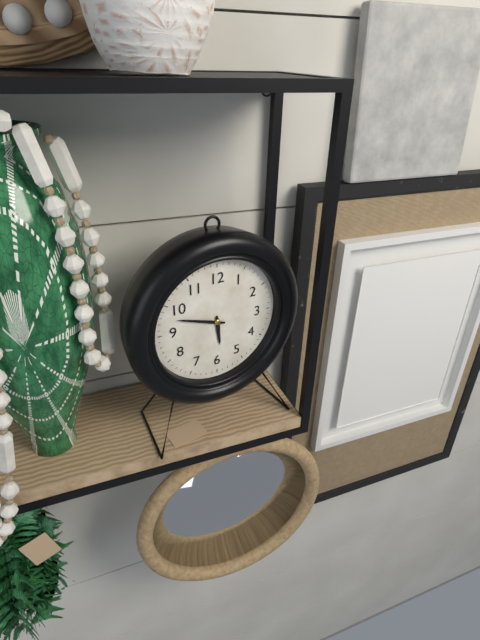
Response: **5:48**
